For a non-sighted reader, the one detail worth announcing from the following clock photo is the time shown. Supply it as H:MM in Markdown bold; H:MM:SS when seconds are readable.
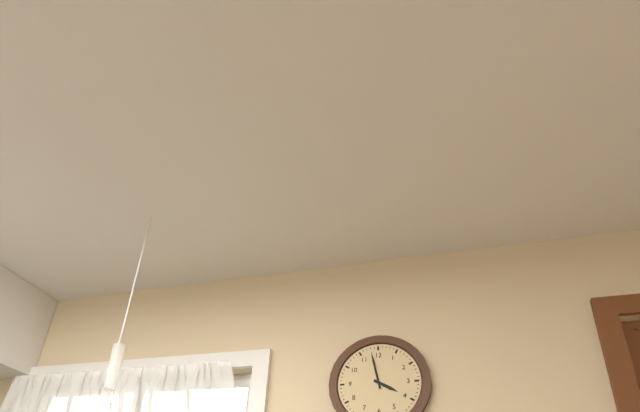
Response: **3:58**
